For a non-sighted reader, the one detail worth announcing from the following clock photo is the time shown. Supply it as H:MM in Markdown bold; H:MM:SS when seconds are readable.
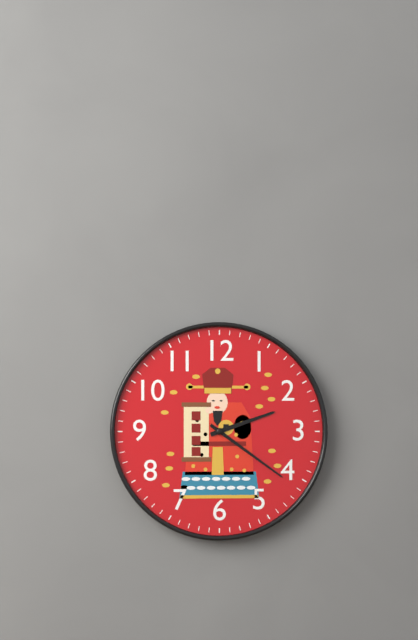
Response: **2:21**
